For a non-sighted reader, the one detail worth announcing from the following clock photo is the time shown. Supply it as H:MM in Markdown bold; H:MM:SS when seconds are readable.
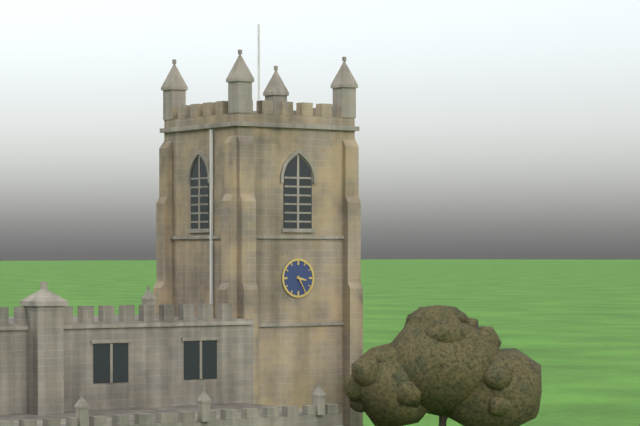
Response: **3:25**
